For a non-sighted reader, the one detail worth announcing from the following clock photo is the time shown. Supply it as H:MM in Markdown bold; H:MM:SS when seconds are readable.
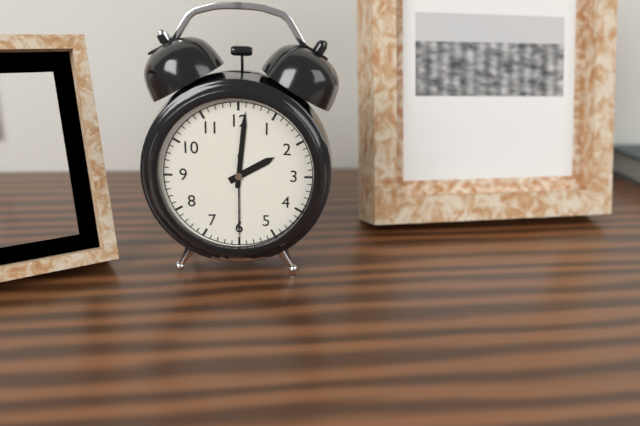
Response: **2:01:30**
